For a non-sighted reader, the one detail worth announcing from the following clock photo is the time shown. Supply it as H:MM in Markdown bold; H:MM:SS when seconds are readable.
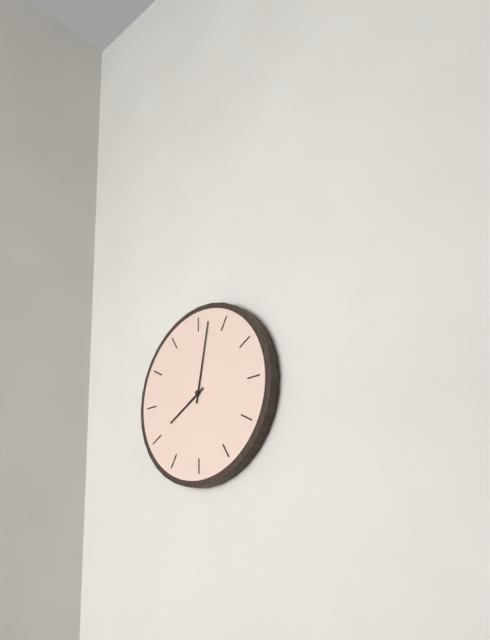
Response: **8:02**
